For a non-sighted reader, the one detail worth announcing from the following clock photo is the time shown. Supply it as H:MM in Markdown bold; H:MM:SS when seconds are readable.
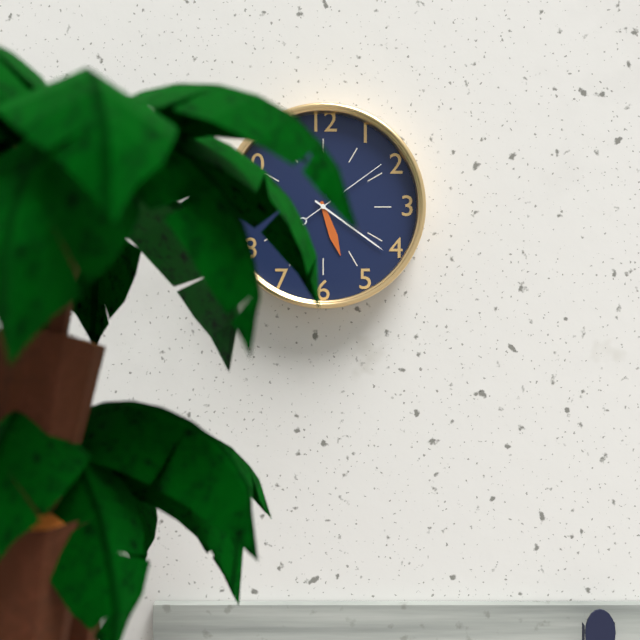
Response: **5:21:09**
